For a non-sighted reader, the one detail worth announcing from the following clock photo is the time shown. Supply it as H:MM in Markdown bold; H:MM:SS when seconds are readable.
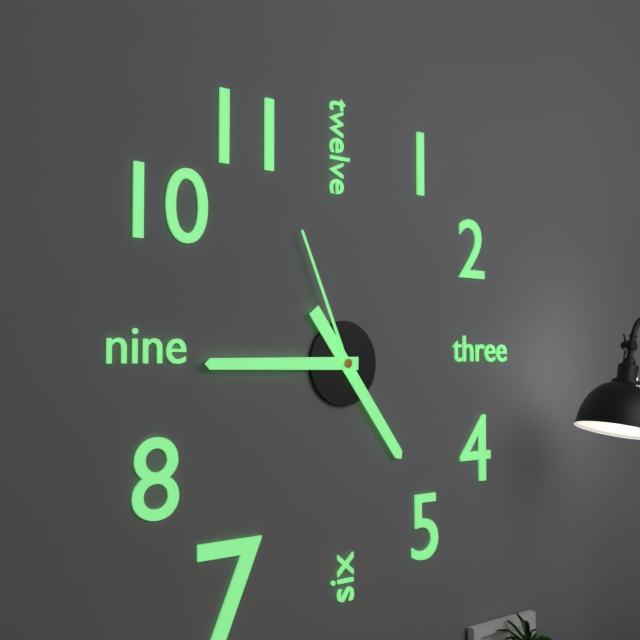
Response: **4:45:56**
